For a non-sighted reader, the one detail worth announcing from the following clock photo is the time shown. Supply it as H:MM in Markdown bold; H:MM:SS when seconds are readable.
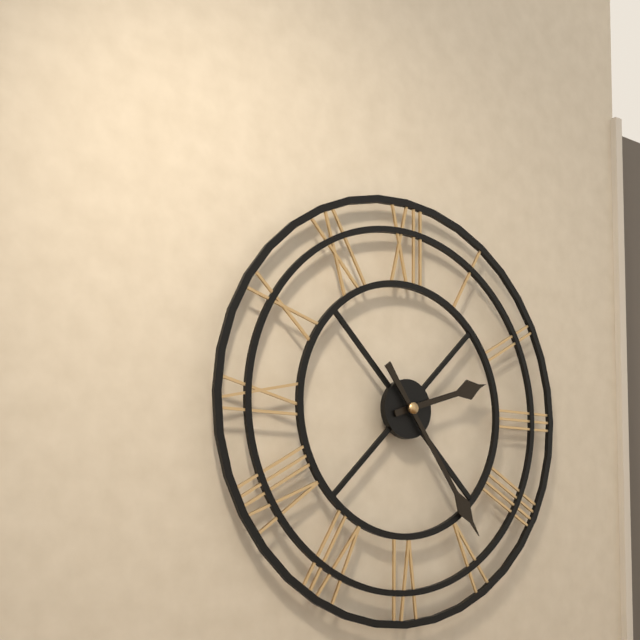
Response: **2:24**
